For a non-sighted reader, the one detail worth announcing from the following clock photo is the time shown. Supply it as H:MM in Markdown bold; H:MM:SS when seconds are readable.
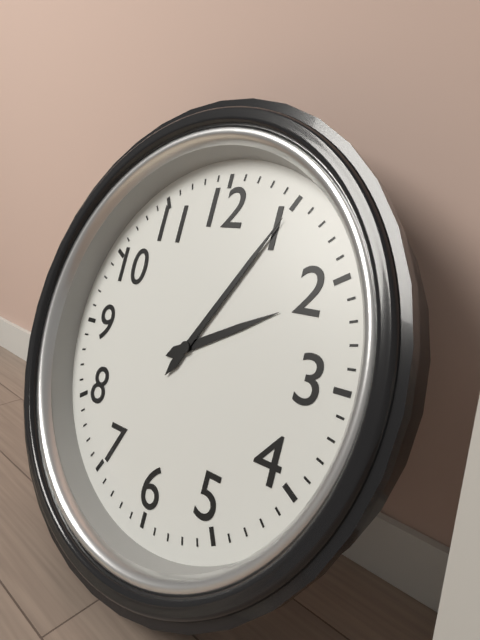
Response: **2:05**
